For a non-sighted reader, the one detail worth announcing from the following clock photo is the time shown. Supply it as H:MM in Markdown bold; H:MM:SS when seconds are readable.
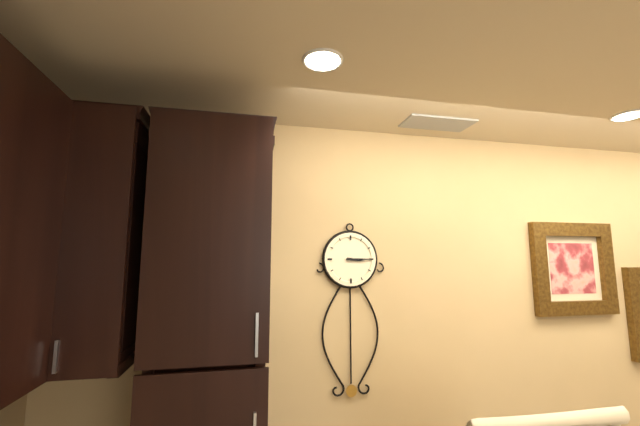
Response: **3:15**
